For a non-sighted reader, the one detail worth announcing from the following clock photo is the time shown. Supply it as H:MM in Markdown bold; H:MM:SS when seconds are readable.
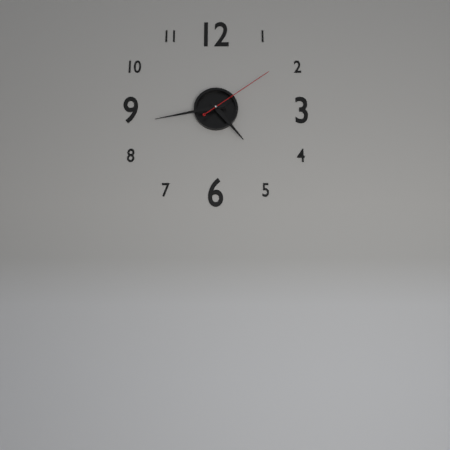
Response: **4:43:09**
